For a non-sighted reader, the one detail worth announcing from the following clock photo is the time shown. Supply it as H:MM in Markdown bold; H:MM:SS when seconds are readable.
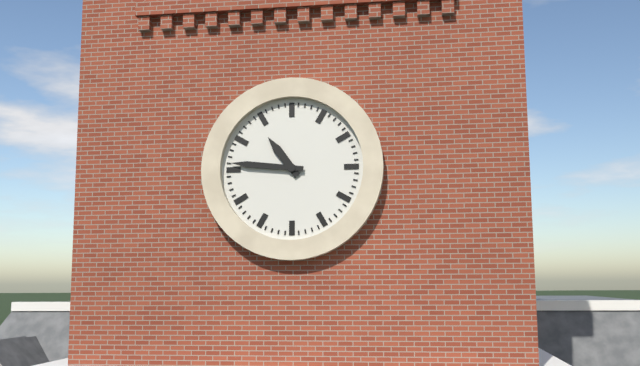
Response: **10:46**
